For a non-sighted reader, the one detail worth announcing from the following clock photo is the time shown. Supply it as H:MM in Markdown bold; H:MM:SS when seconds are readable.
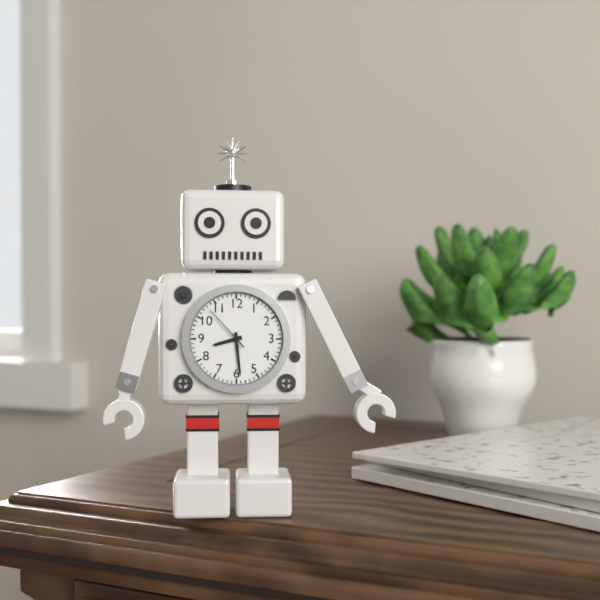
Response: **8:29:53**
